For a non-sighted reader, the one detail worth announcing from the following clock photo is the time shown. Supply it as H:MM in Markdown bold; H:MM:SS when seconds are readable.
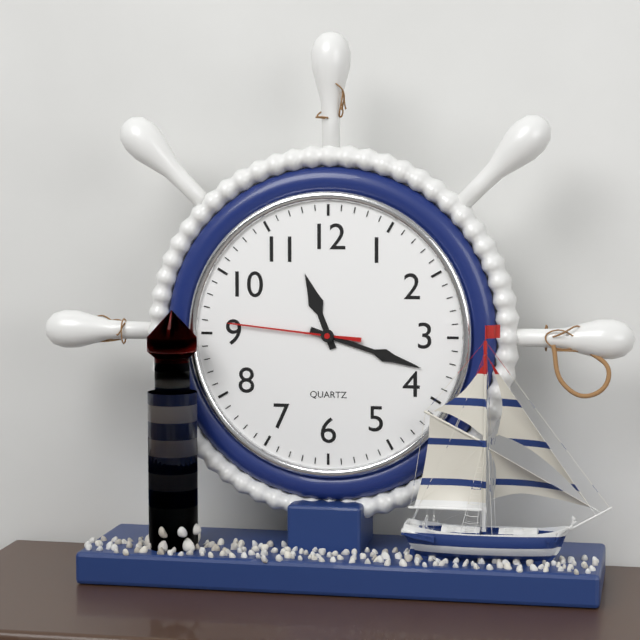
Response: **11:18:46**
